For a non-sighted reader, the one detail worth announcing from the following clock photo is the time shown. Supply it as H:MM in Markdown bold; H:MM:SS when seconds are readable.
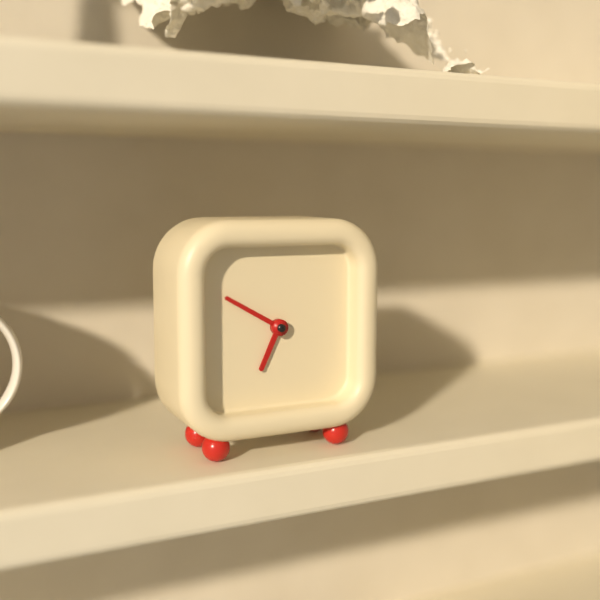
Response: **6:50**
